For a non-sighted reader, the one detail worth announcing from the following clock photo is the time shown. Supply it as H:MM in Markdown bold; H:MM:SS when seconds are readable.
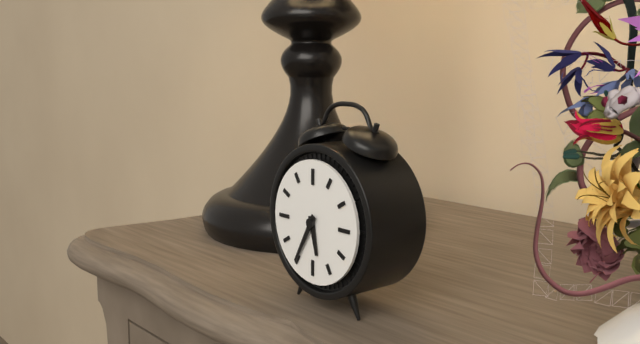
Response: **5:35**
